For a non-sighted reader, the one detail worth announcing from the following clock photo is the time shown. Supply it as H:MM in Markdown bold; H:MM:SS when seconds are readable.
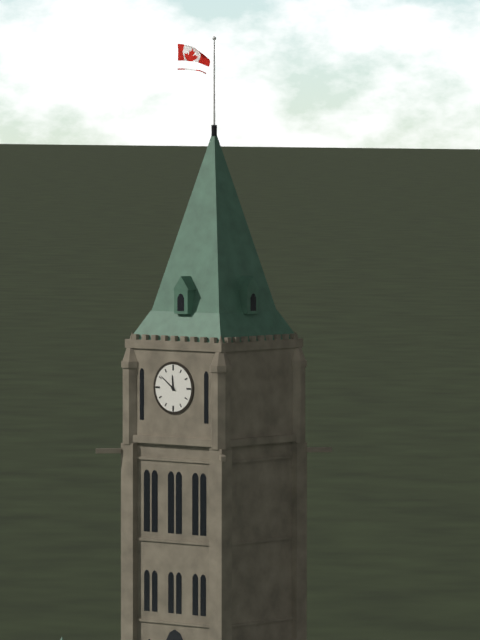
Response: **11:51**
